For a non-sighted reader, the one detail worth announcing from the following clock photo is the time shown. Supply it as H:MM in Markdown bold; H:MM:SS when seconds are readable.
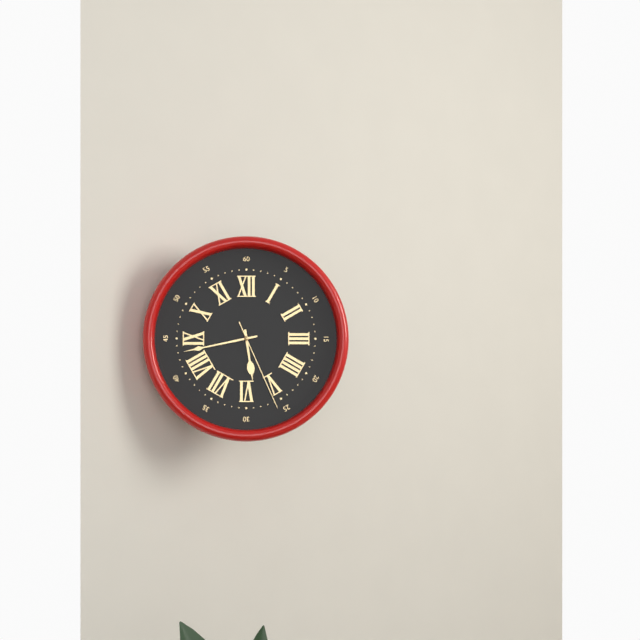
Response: **5:43:26**
